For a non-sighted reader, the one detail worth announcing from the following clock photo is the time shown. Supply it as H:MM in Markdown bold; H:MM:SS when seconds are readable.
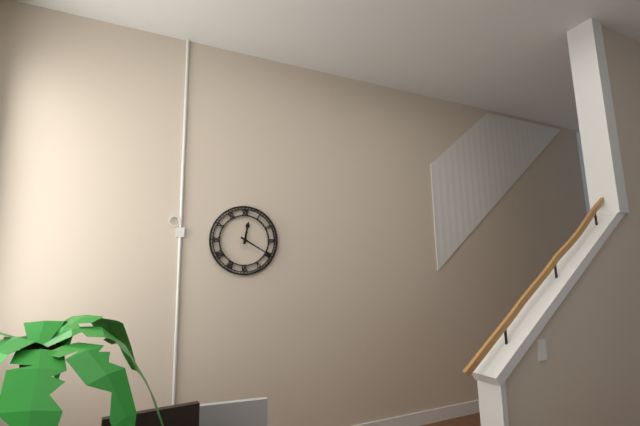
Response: **12:20**
